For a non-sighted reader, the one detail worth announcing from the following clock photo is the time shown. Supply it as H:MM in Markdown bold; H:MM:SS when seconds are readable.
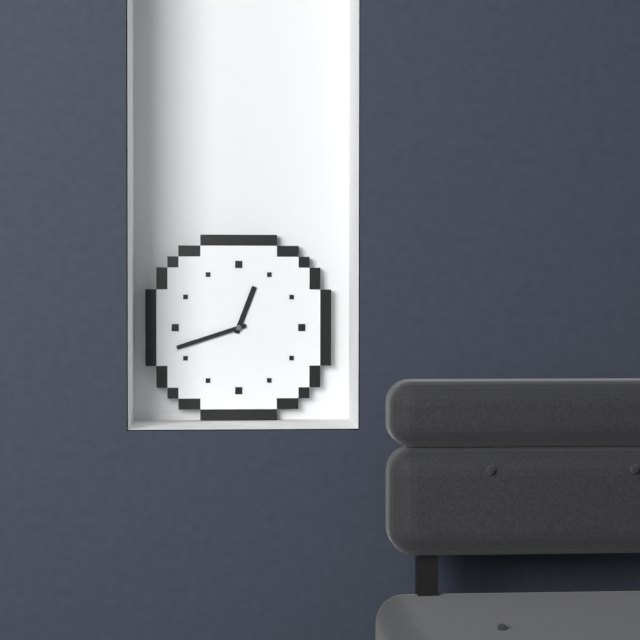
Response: **12:42**
